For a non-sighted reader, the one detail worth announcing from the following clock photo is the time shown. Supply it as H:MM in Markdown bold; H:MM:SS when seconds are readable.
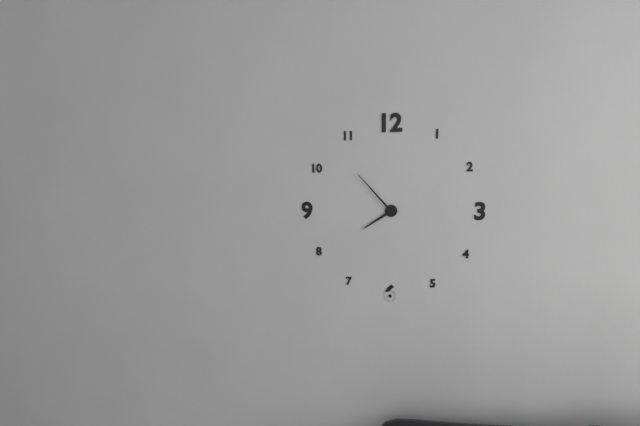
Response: **7:53**
